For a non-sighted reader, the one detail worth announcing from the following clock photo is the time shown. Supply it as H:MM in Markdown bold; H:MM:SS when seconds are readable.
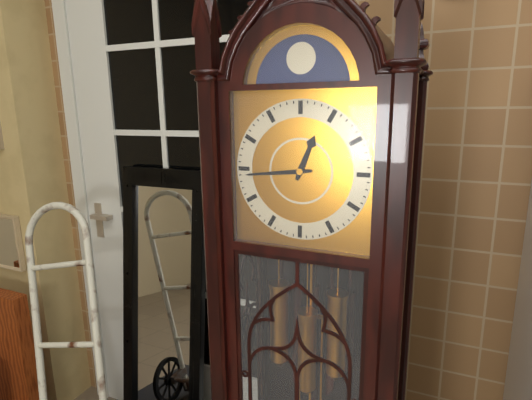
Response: **12:44**
